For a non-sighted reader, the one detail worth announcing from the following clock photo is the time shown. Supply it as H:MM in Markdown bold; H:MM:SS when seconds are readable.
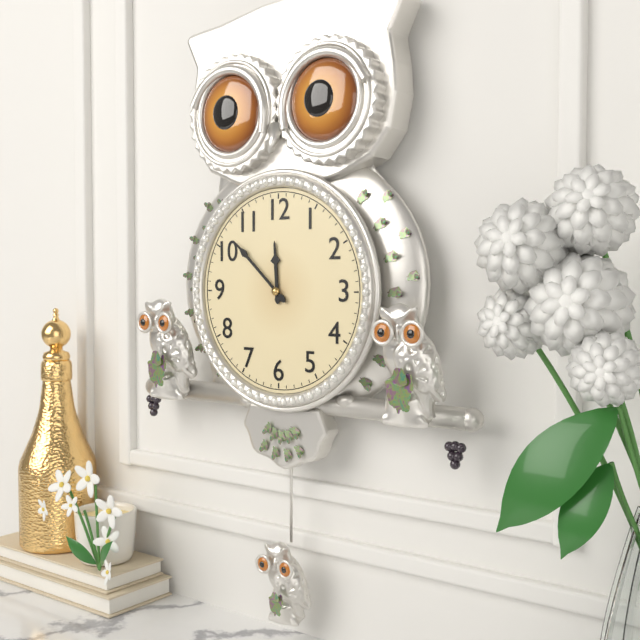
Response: **11:52**
